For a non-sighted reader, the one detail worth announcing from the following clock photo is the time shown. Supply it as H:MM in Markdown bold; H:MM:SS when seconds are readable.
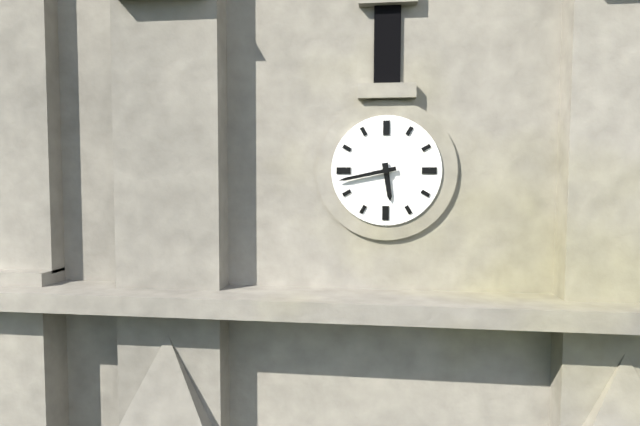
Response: **5:43**
